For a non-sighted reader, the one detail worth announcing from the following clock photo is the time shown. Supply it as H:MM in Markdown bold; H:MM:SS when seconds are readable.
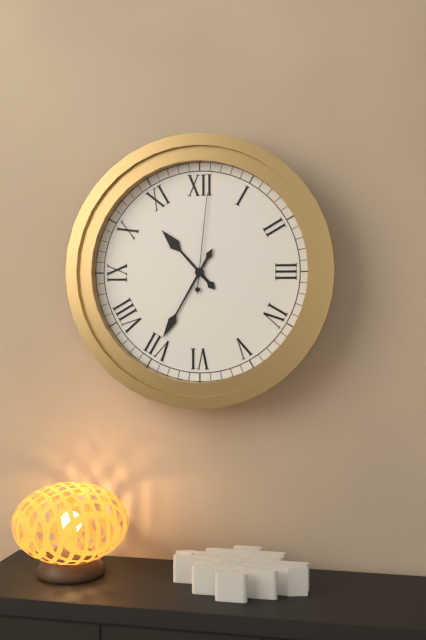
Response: **10:35:01**
